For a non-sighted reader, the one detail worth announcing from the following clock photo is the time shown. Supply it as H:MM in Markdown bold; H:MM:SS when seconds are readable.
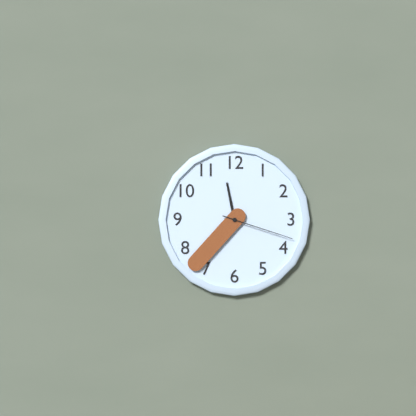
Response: **11:37:18**
